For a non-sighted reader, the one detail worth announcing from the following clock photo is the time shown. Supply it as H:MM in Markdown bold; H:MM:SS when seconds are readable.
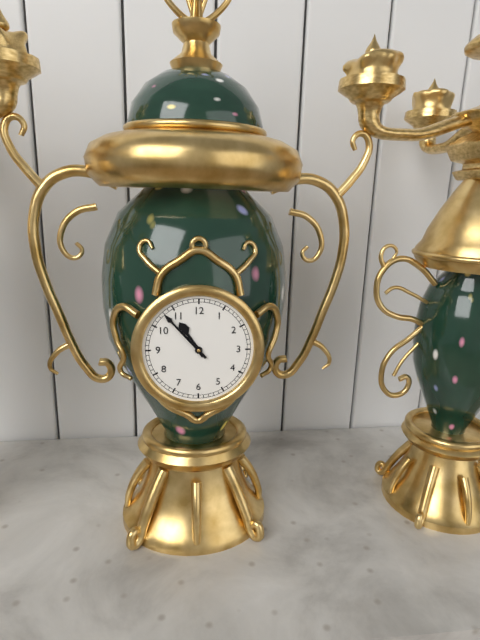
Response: **10:53**
